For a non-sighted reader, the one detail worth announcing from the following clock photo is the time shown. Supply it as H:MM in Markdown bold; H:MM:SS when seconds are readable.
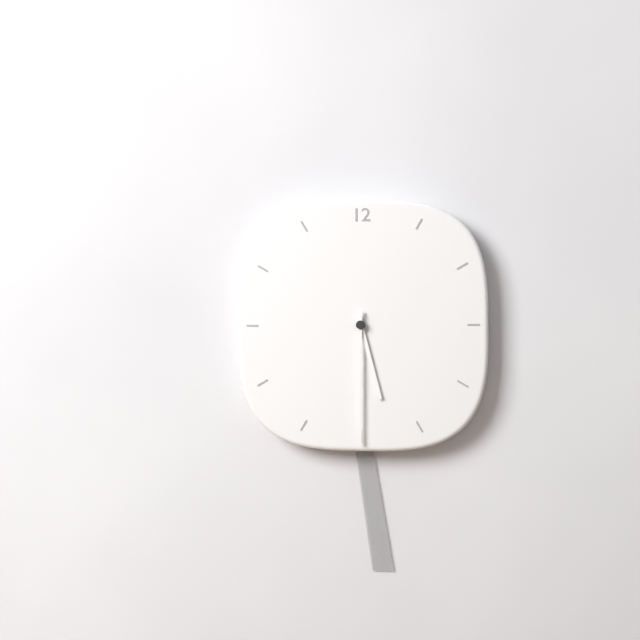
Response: **5:30**
